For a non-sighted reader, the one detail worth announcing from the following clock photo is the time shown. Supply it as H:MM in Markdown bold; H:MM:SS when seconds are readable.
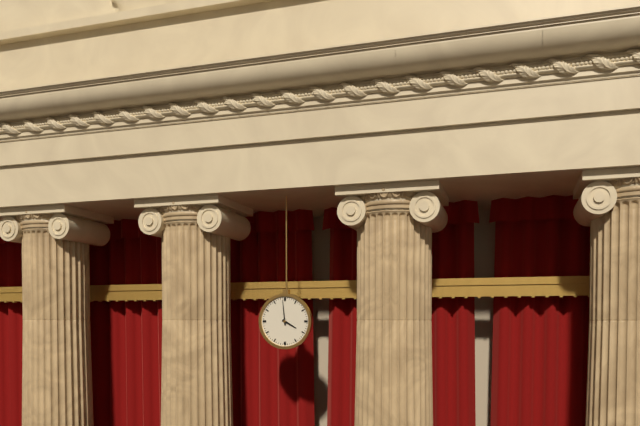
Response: **3:59**
